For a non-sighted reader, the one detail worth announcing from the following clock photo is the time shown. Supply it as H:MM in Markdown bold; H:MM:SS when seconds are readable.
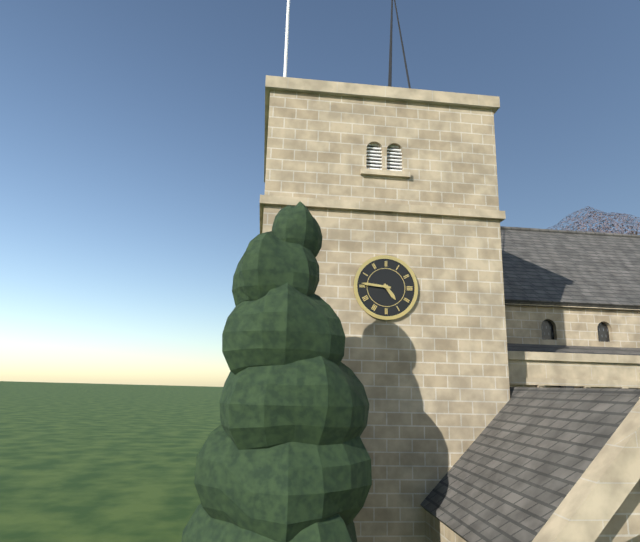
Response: **4:46**
